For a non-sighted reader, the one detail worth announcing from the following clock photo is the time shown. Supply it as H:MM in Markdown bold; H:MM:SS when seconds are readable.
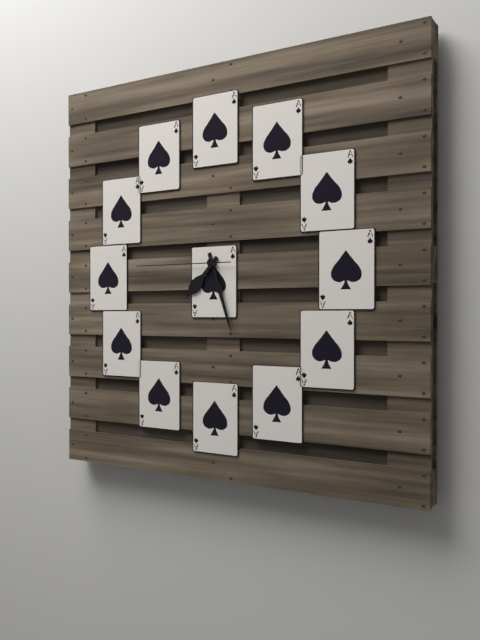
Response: **7:27:45**
